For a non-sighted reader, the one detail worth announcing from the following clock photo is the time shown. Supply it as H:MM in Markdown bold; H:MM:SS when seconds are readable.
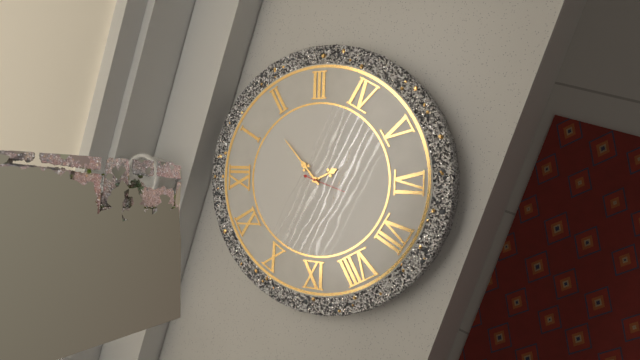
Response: **5:08**
